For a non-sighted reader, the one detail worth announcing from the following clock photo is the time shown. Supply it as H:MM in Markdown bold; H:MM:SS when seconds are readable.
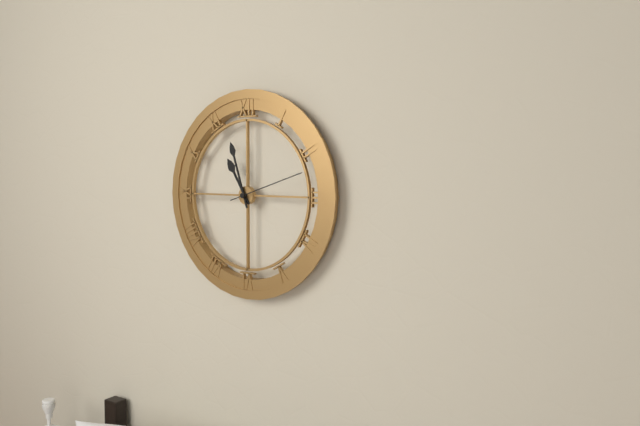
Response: **10:57:12**
